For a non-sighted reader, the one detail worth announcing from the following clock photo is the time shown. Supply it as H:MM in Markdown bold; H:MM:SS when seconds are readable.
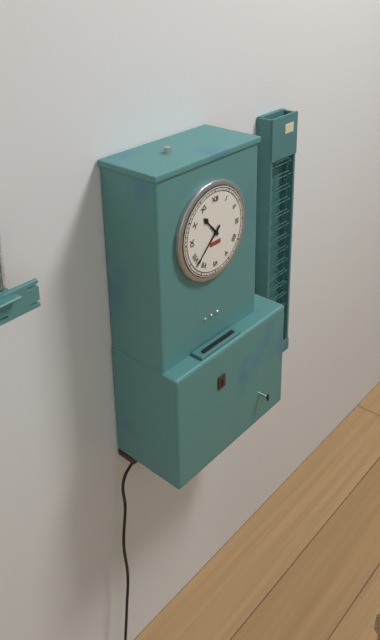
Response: **10:38**
